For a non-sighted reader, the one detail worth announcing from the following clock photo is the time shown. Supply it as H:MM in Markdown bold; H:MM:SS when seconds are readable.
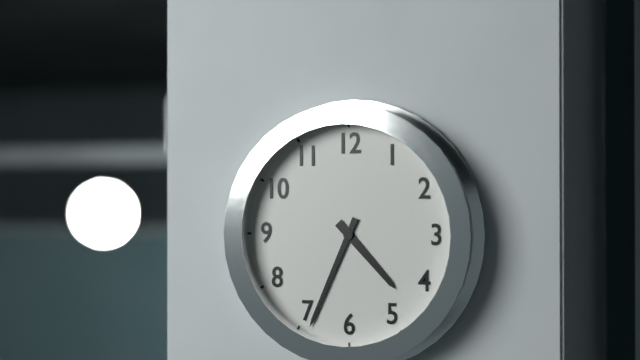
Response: **4:34**
